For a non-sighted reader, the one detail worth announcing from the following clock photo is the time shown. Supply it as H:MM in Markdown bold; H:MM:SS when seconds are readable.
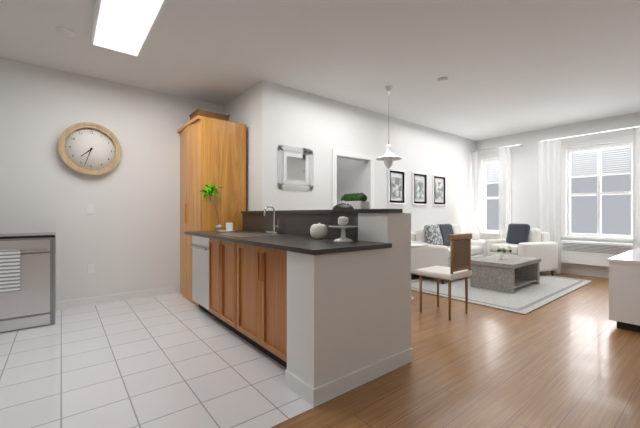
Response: **7:33**
